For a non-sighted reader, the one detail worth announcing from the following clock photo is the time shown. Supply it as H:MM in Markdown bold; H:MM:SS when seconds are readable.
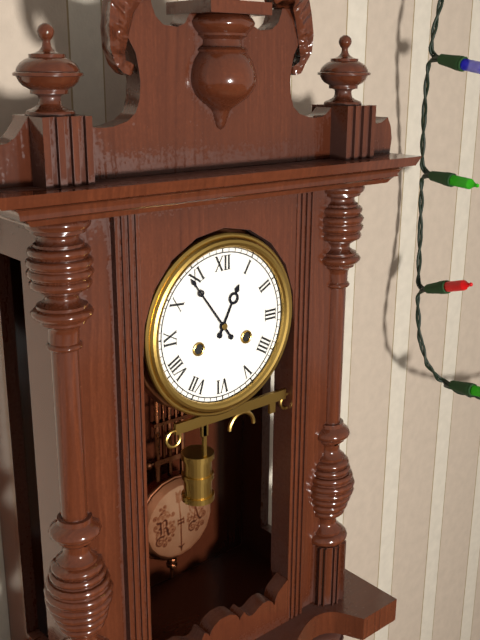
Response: **12:54**
